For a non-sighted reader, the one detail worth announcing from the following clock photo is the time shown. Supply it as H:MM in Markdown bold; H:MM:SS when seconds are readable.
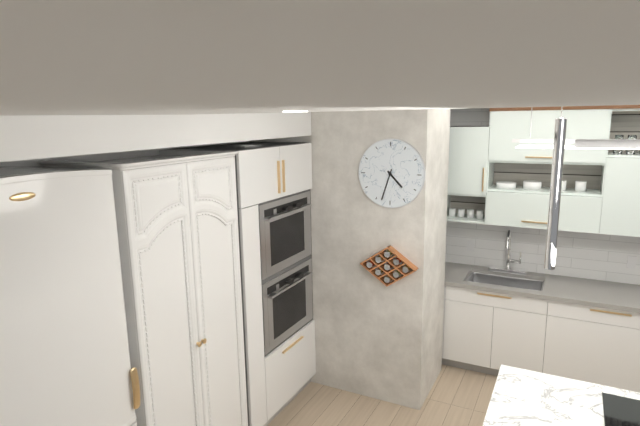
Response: **4:33**
